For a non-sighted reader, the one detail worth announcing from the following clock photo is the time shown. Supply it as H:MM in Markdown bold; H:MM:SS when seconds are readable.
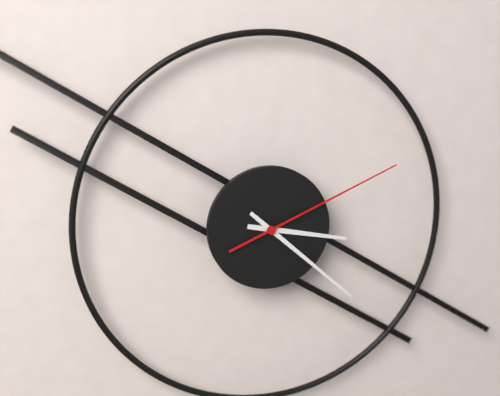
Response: **3:22:11**
